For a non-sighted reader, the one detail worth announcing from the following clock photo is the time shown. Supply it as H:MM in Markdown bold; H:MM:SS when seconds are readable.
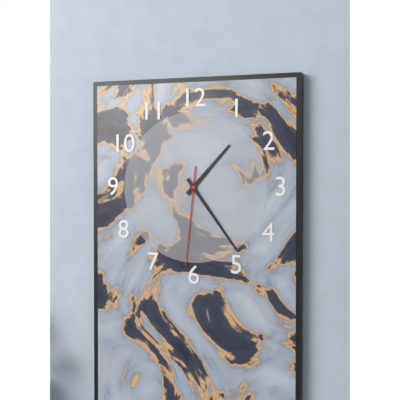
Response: **1:24:31**
